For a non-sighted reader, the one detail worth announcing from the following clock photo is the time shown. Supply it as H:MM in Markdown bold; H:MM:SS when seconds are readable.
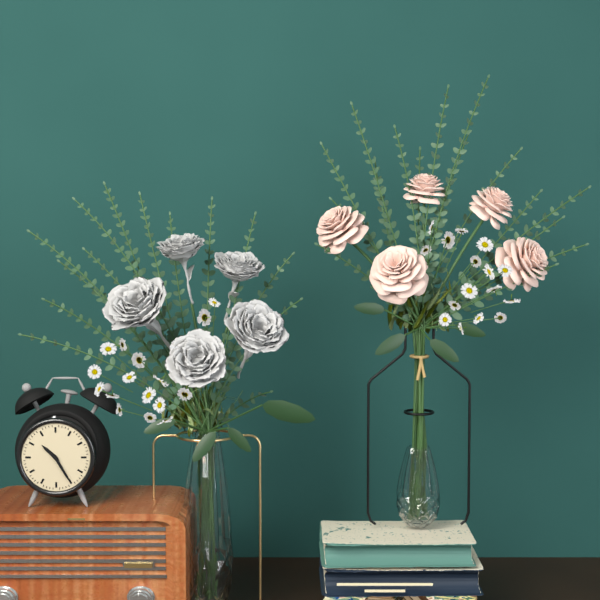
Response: **10:25**
